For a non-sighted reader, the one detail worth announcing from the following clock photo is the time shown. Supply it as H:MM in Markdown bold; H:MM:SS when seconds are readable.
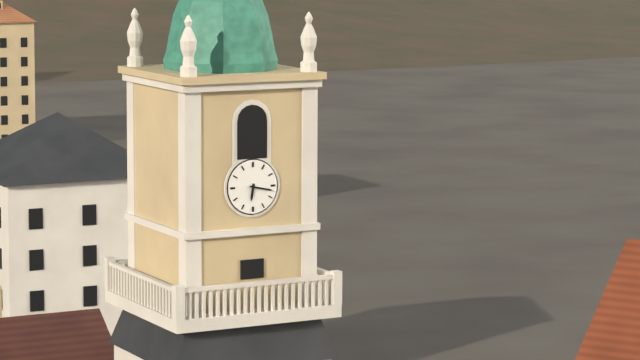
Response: **6:17**
